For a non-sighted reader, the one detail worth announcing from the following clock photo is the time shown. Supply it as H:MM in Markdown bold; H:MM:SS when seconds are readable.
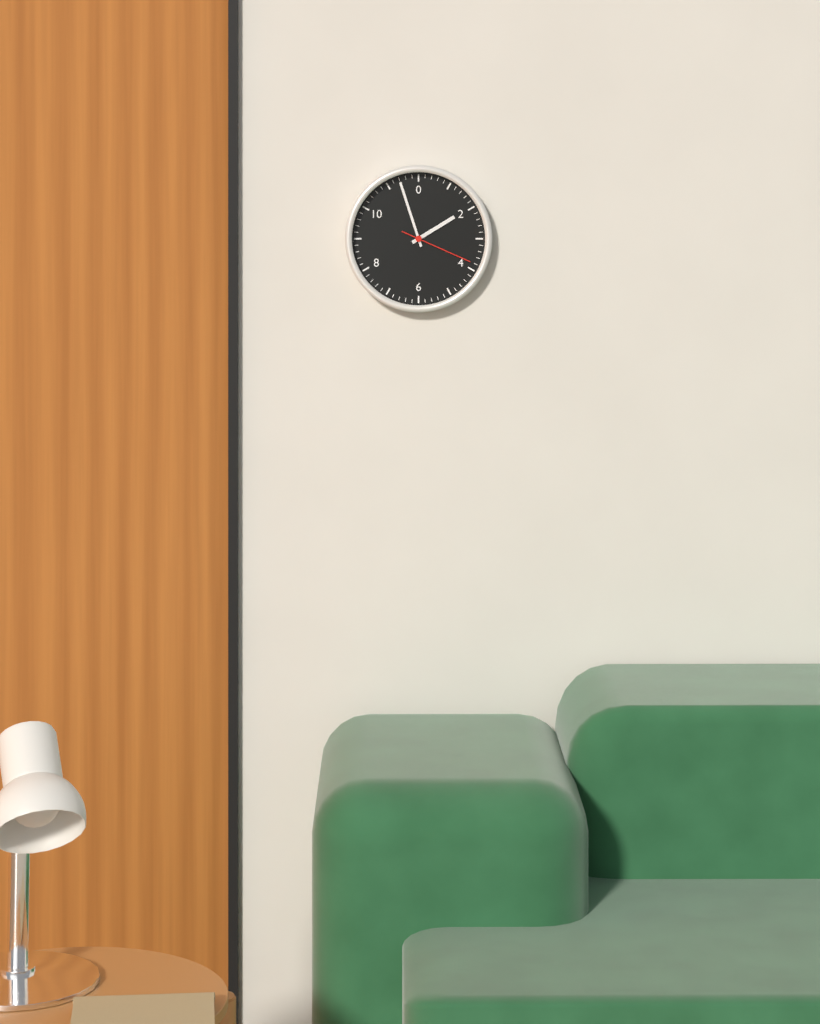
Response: **1:57:19**
